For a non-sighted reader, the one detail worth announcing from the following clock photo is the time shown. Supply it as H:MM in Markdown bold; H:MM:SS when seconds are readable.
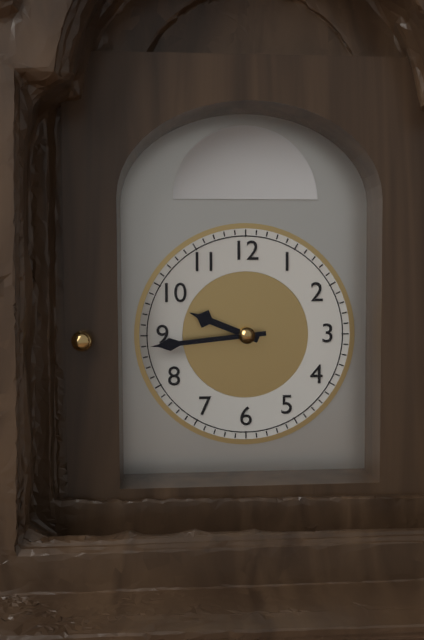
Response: **9:44**
